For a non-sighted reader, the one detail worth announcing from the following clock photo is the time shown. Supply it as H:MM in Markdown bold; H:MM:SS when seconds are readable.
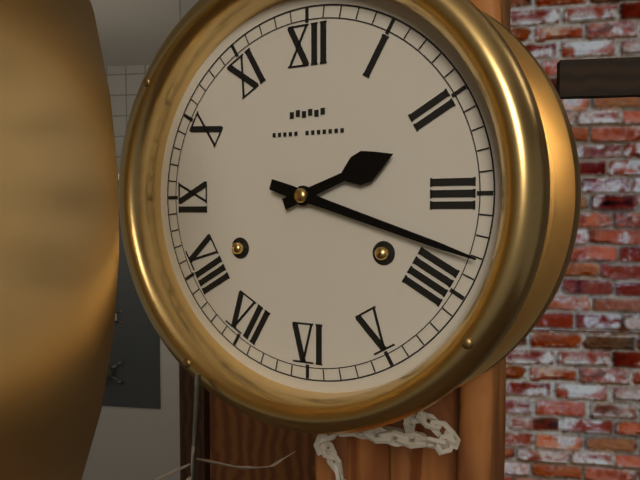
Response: **2:18**
